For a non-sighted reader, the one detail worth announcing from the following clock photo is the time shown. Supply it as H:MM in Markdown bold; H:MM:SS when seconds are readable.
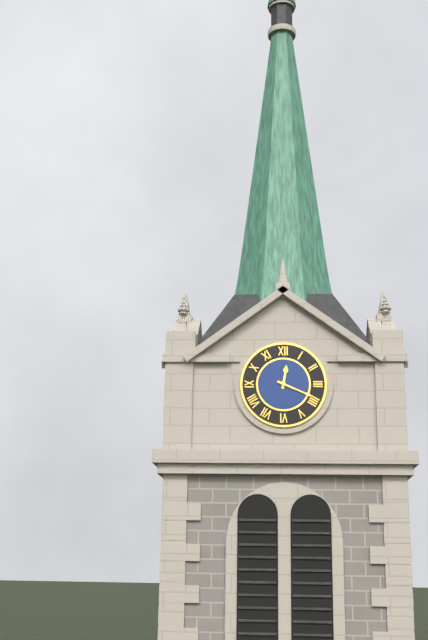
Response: **12:19**
